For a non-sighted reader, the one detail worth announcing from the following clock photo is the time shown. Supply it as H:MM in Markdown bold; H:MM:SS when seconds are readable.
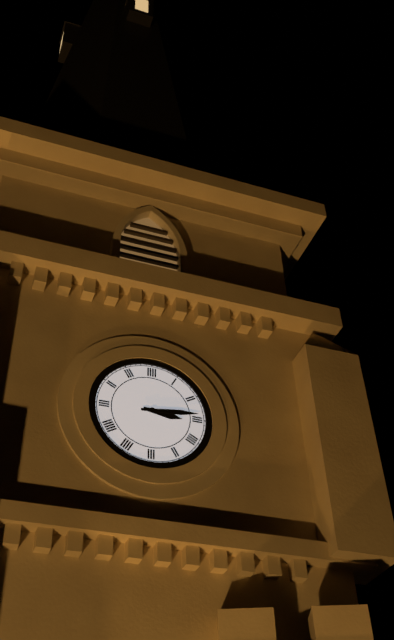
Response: **3:14**
